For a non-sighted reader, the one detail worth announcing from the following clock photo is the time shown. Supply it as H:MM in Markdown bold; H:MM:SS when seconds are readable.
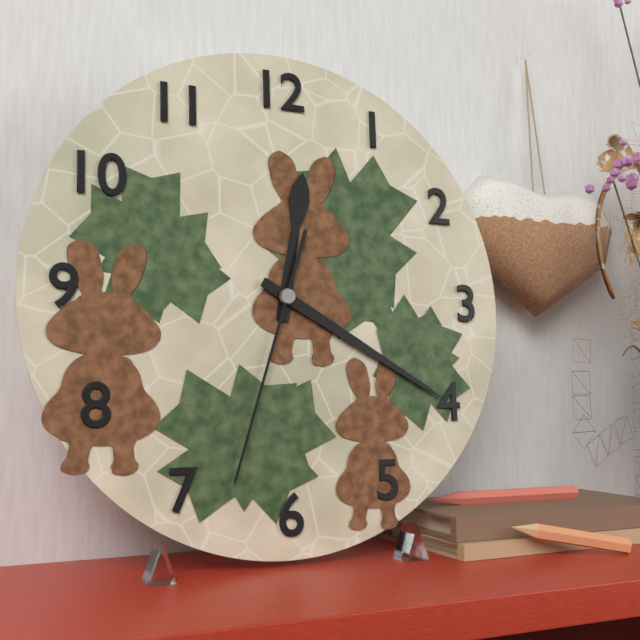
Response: **12:20:33**
